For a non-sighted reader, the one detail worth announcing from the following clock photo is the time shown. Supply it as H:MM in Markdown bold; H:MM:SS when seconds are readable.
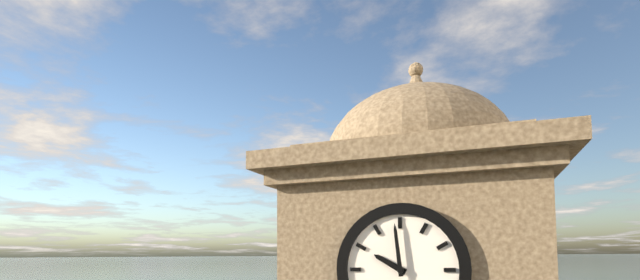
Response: **9:59**
